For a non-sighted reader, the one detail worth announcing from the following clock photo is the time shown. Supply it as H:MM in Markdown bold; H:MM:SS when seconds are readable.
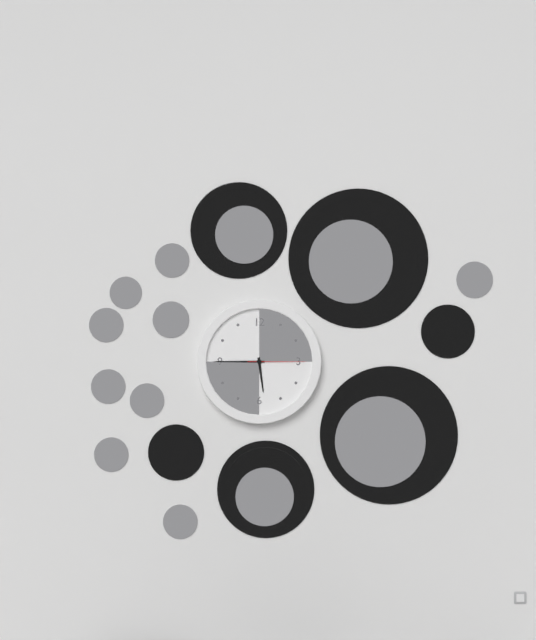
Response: **5:45:15**
